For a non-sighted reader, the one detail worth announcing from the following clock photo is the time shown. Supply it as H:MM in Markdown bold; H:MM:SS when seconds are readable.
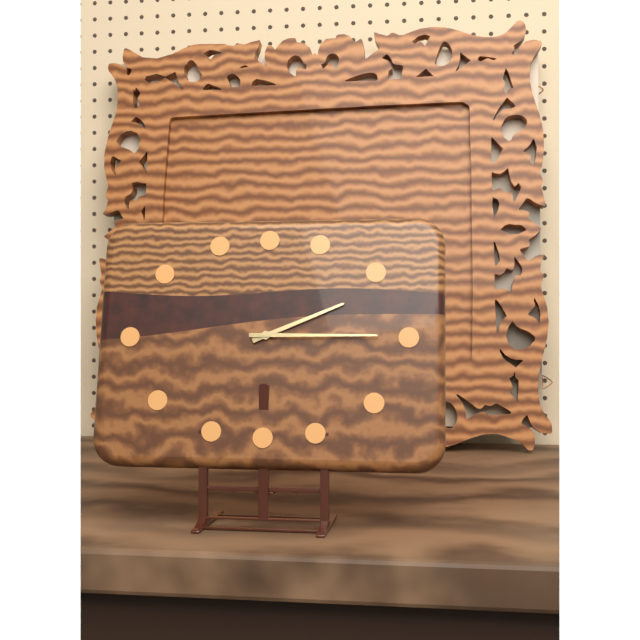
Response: **2:15**
